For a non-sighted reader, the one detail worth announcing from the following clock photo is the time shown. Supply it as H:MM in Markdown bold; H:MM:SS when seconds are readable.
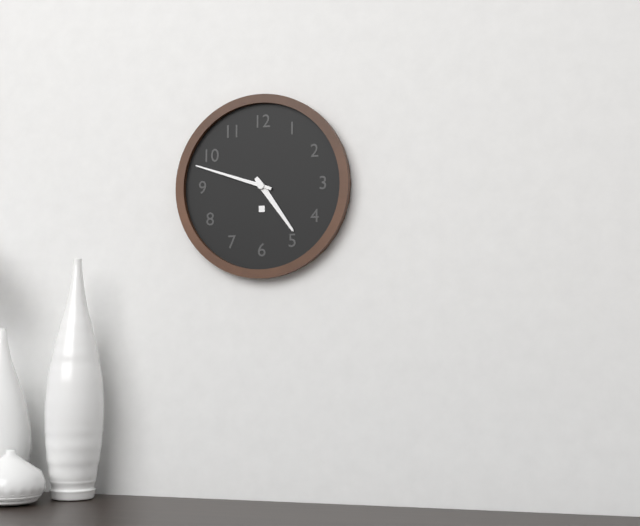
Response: **4:48**
